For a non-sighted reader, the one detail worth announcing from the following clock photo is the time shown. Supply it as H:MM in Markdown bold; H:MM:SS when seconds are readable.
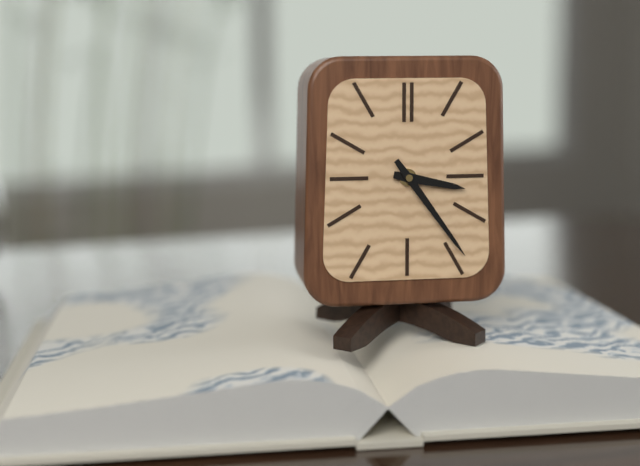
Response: **3:24**
